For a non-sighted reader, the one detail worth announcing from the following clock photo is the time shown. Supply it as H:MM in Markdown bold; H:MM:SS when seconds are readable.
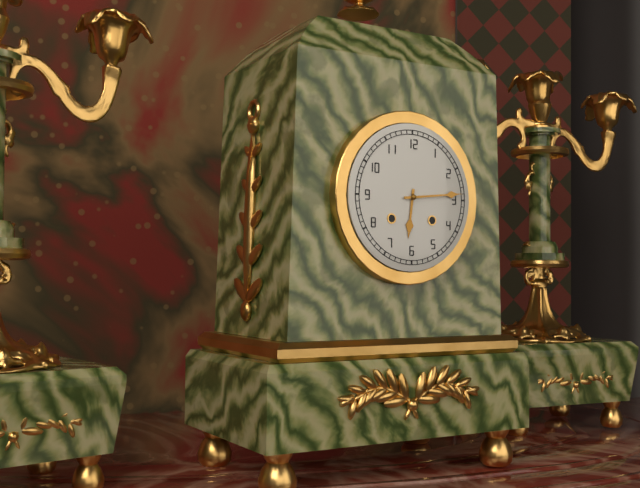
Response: **6:14**
